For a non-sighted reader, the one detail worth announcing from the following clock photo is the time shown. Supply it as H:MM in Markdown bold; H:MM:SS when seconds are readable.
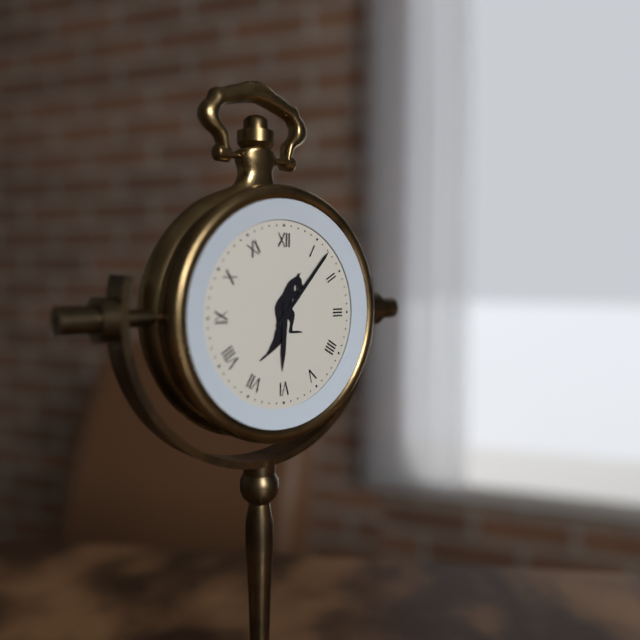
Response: **6:07**
